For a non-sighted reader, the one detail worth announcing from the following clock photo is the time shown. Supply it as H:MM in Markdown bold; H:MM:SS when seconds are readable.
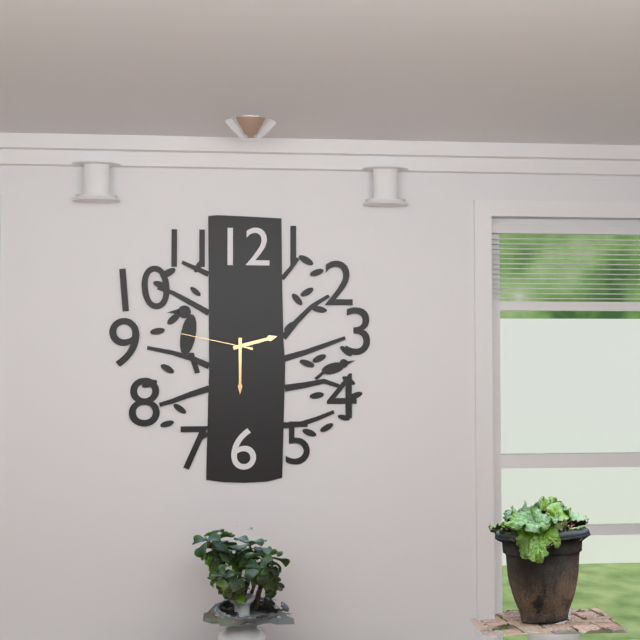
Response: **2:30:47**
